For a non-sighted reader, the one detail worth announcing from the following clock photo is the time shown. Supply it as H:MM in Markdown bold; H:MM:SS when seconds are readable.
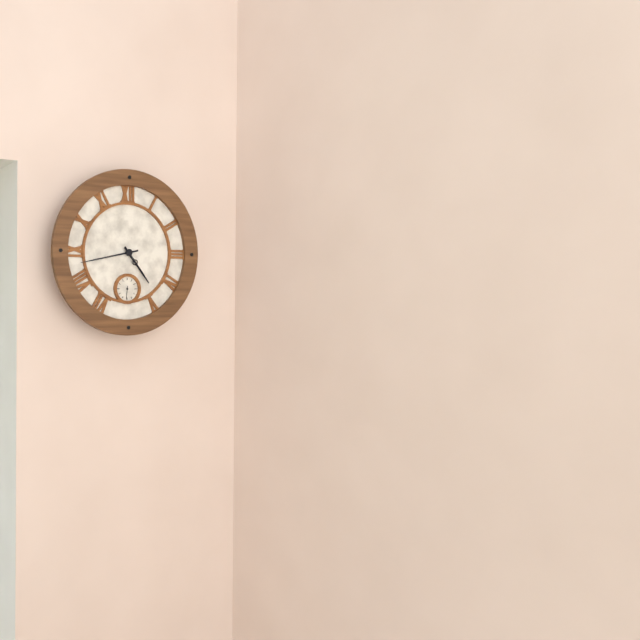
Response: **4:43**
